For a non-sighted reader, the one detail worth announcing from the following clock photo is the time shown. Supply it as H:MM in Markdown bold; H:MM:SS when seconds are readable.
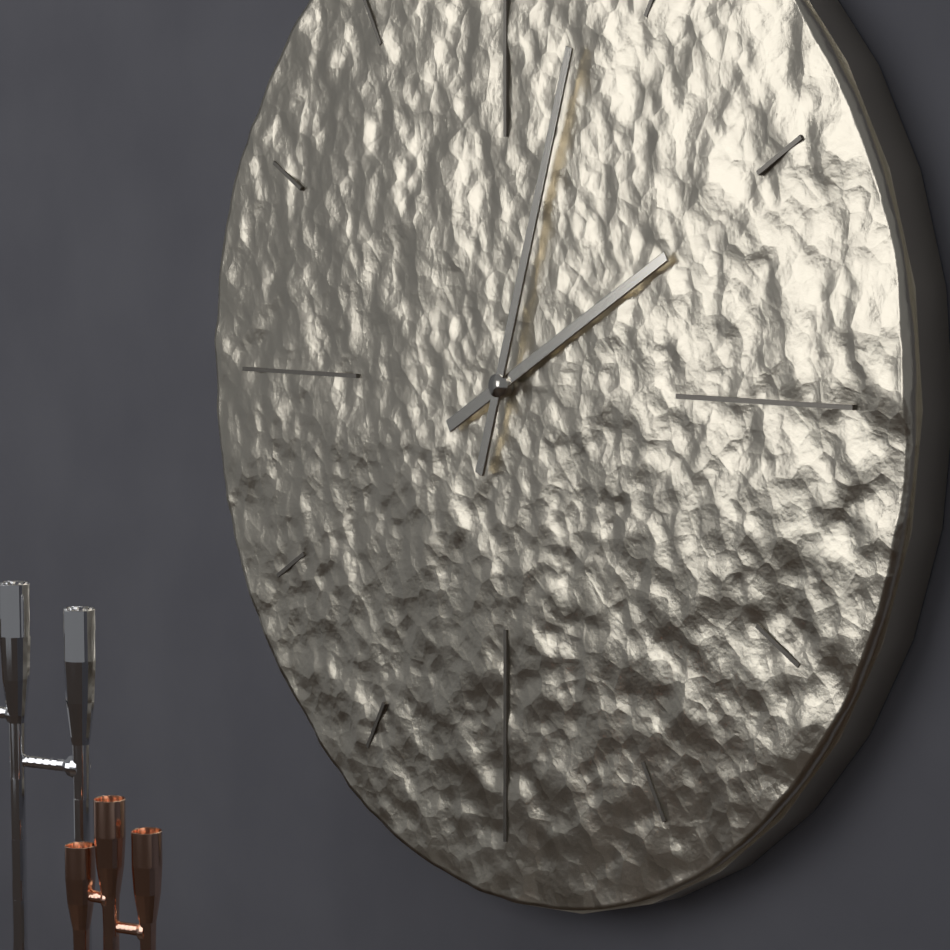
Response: **2:03**
